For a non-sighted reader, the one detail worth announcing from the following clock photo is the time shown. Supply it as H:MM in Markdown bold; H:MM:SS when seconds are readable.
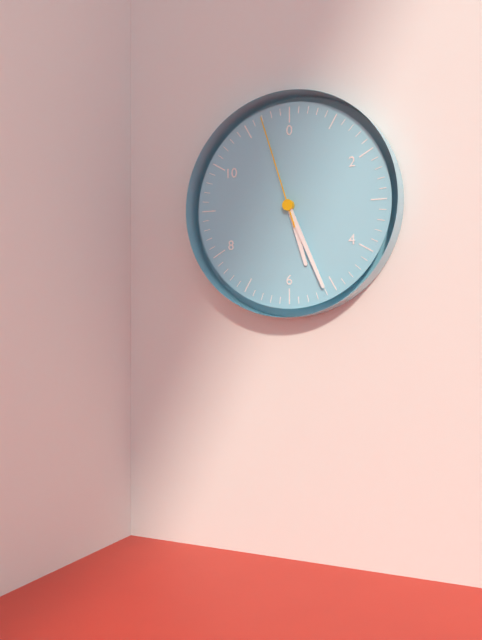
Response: **5:26:57**
